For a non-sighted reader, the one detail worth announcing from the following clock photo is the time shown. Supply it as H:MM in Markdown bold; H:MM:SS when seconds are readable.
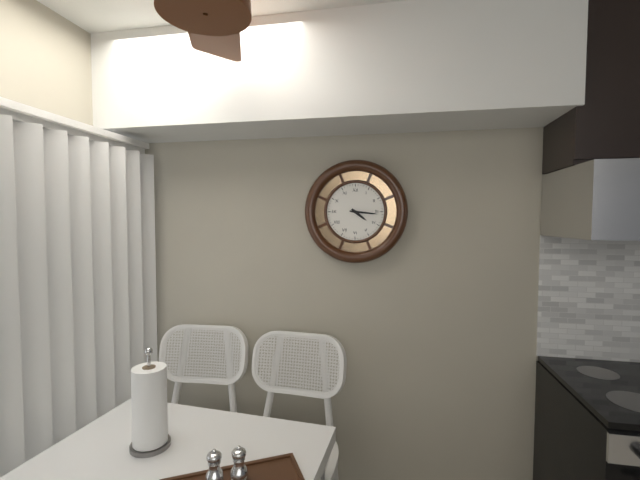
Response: **4:16**
